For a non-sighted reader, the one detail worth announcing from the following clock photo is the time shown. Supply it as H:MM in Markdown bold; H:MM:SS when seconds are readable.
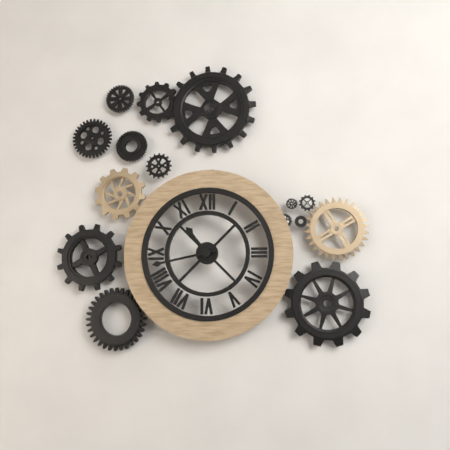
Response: **10:43**
